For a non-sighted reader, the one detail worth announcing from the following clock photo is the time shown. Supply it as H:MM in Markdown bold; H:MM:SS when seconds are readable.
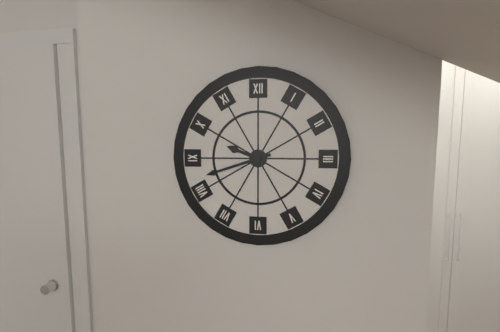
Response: **9:42**
